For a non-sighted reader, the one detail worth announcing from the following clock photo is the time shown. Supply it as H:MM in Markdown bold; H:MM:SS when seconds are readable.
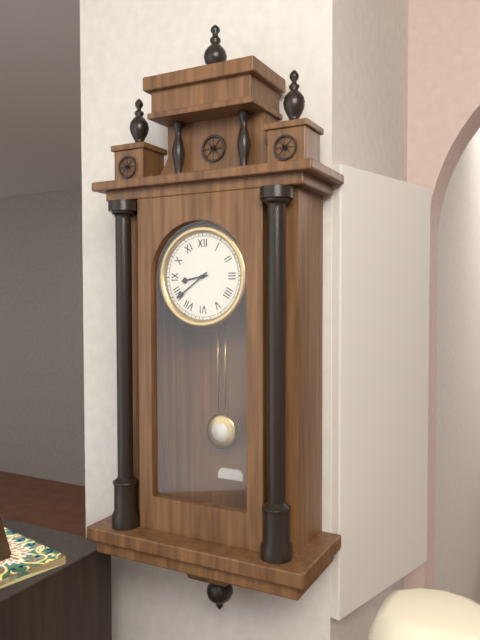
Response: **8:39**
